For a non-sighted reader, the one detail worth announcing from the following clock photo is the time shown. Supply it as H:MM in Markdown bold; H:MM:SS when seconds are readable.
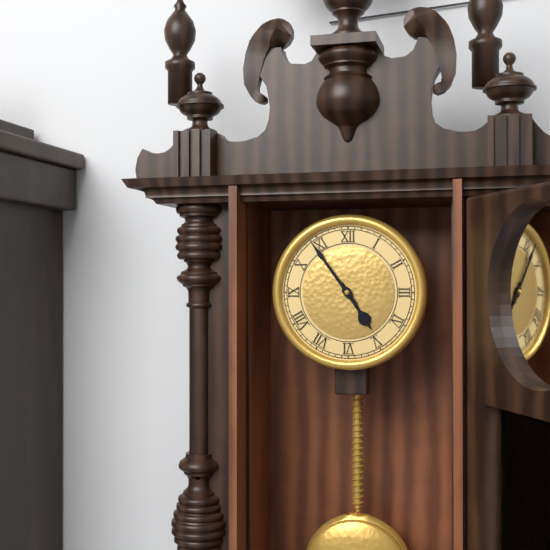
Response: **4:54**
